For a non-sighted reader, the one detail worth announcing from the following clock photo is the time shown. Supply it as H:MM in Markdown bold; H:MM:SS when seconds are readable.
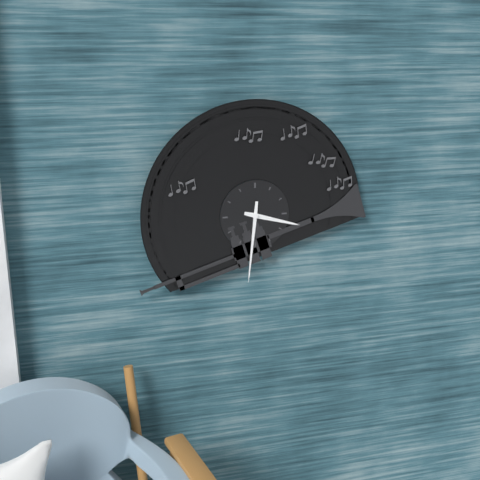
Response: **3:31**
